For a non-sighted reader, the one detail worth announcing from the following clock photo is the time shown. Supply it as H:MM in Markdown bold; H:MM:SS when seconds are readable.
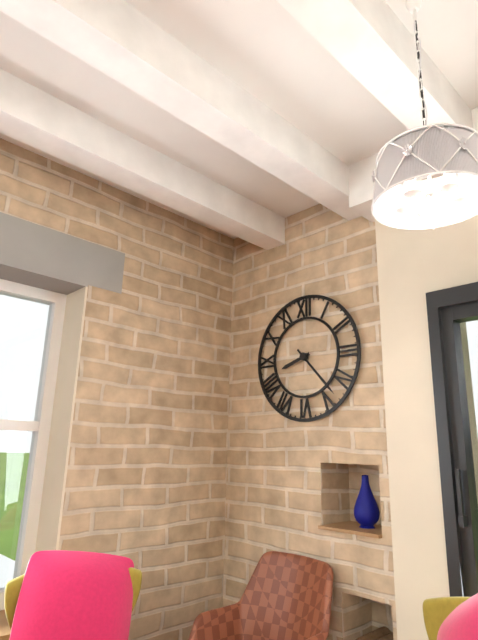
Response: **8:23**
